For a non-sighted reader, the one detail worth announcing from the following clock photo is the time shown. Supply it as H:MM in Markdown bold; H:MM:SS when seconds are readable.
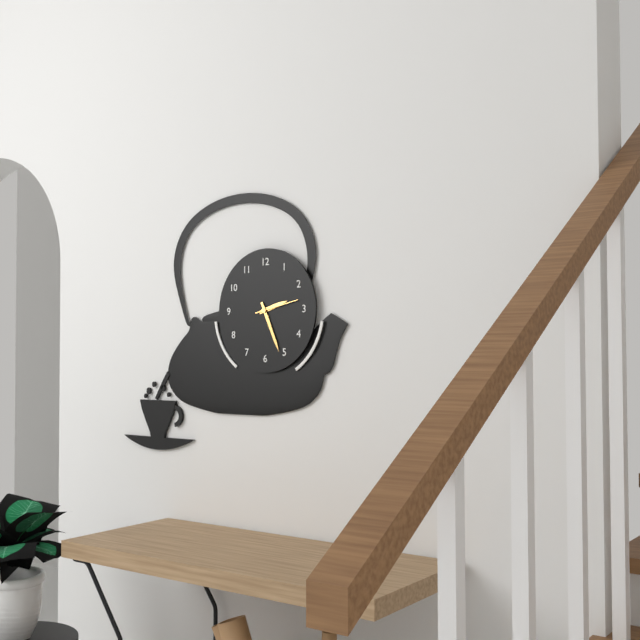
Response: **2:26**
